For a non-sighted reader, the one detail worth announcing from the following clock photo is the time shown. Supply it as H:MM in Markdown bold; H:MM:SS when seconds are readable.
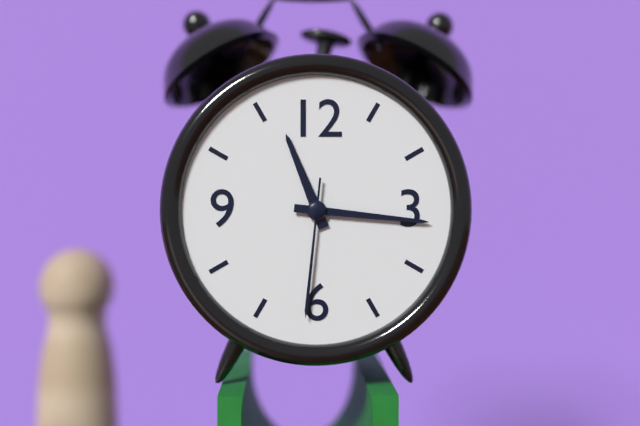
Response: **11:16:31**
